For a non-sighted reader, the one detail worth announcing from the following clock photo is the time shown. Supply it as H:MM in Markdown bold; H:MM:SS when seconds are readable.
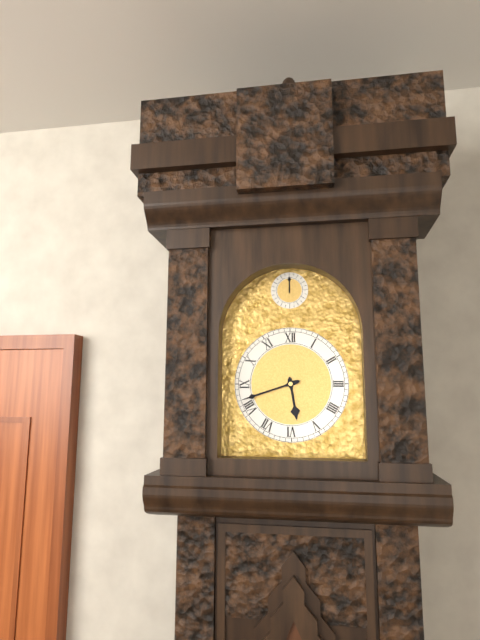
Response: **5:42**
